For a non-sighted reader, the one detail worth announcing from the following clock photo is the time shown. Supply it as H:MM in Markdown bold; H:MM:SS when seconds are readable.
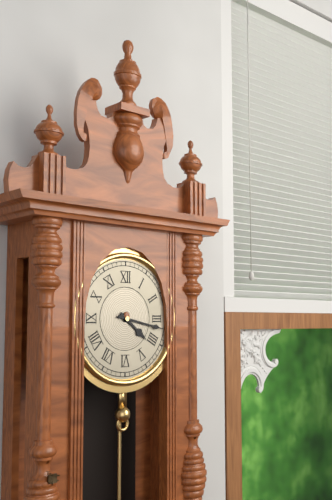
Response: **4:17**
